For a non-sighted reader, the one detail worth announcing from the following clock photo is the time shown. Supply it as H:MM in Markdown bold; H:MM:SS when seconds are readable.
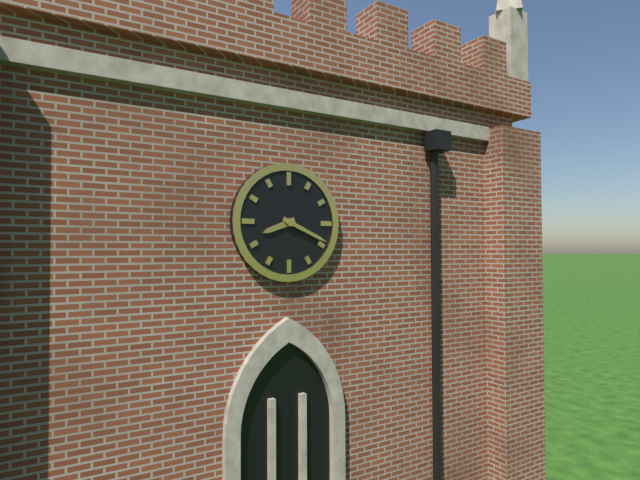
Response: **8:19**
